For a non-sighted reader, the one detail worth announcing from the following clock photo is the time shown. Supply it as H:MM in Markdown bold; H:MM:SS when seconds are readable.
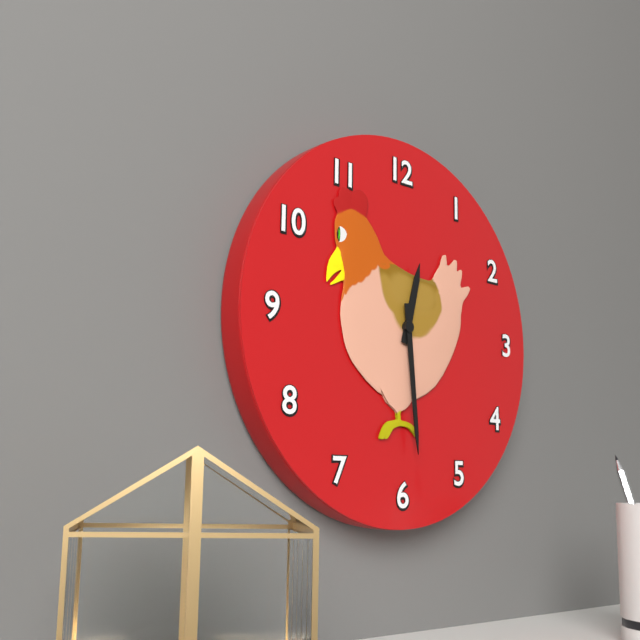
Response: **12:29**
